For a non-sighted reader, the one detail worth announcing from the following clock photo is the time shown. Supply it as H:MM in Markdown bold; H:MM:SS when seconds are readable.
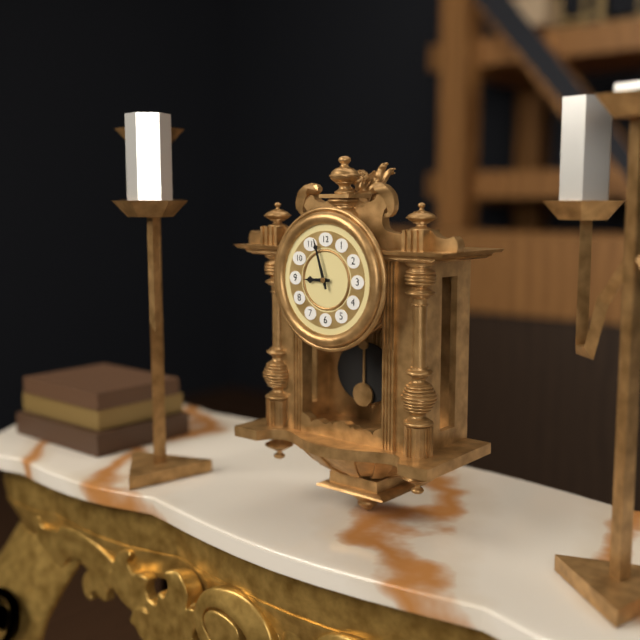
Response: **8:57**
